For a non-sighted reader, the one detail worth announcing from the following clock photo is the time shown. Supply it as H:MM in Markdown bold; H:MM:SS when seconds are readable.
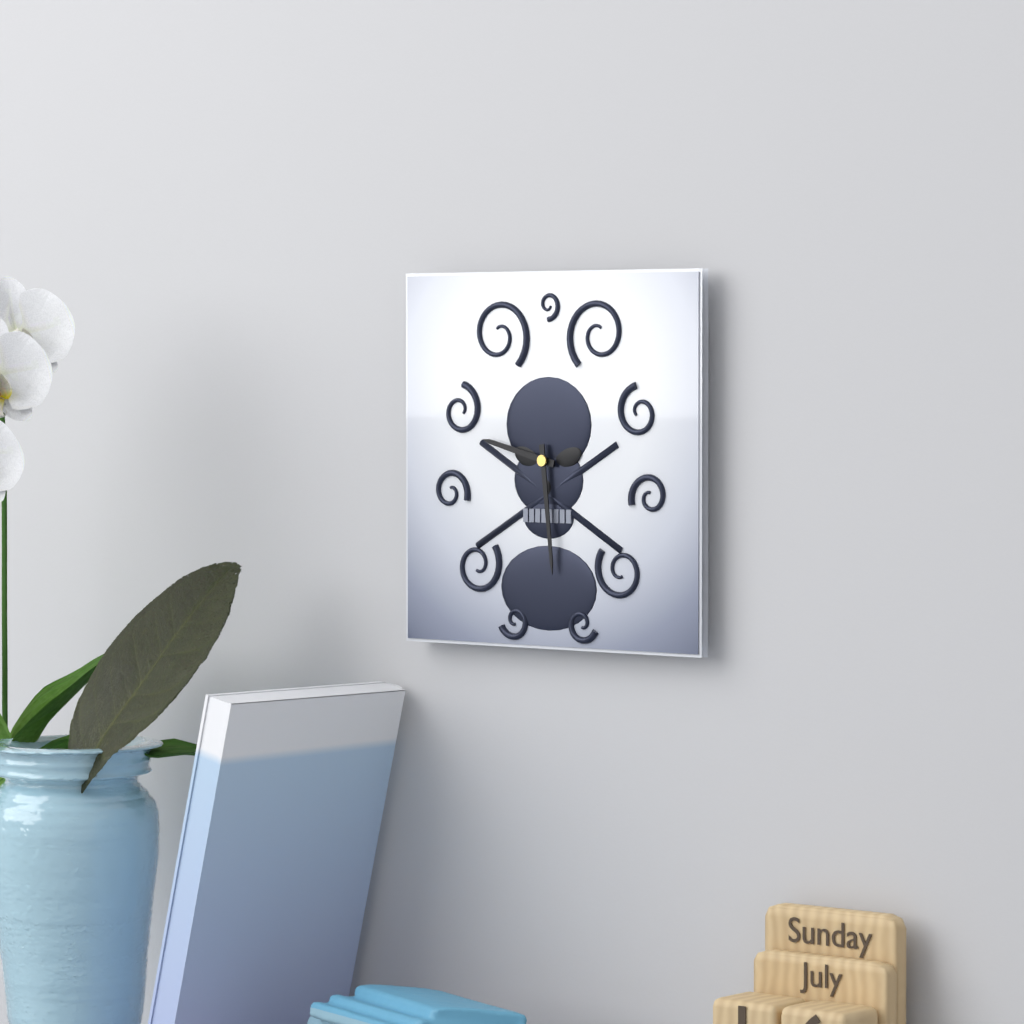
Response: **9:29**
